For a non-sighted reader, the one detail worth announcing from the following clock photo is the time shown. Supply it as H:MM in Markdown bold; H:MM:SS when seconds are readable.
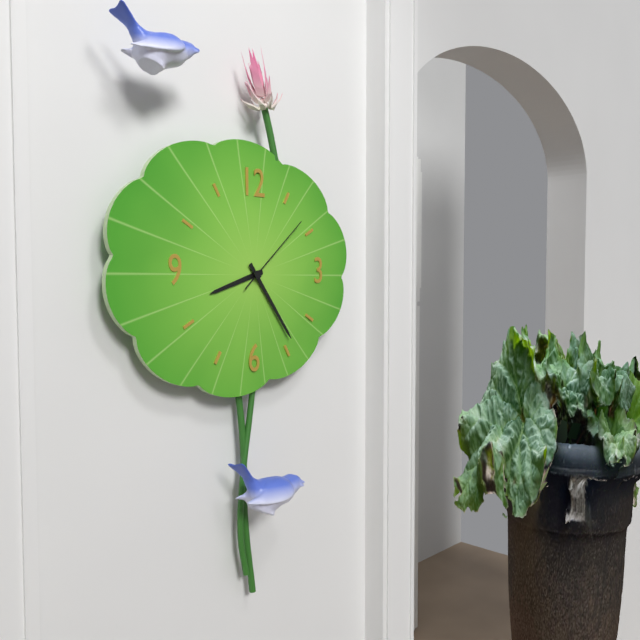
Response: **8:24:08**
